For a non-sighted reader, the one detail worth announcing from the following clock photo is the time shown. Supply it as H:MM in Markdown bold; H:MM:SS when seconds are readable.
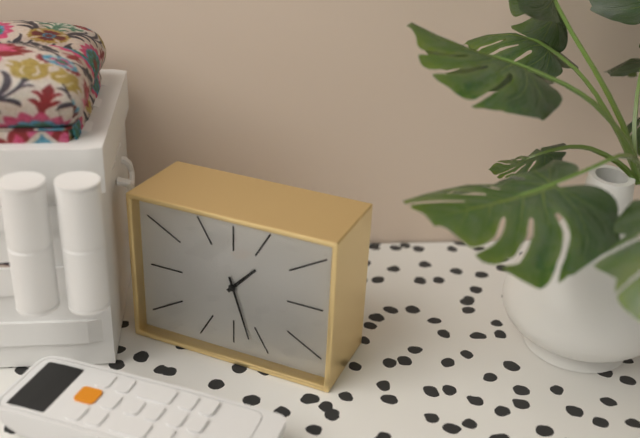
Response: **1:27**
